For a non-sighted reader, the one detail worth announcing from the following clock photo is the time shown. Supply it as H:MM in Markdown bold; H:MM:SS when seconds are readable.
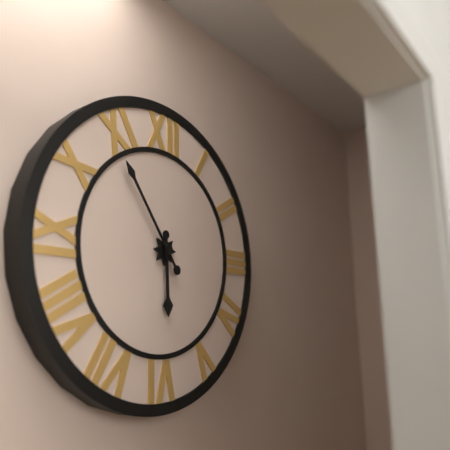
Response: **5:54**
